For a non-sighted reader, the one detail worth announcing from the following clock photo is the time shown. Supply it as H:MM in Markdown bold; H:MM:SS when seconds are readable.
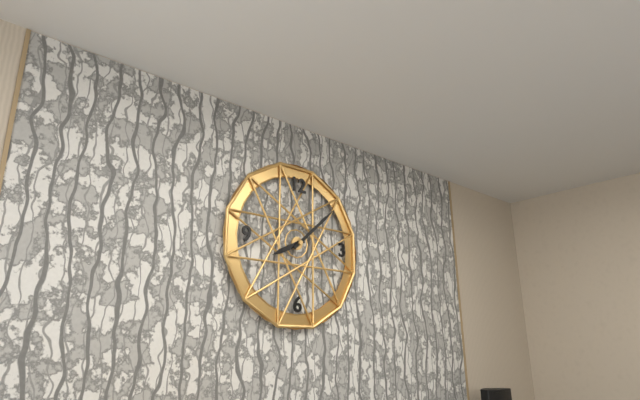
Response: **8:08**
